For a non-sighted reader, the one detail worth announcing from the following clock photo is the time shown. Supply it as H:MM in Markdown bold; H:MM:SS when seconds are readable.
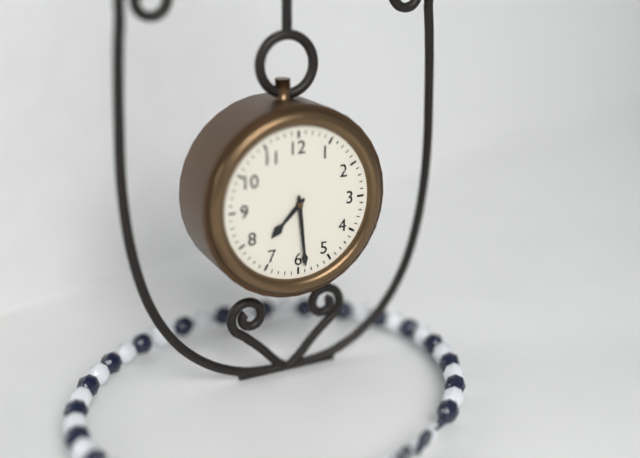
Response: **7:29**
